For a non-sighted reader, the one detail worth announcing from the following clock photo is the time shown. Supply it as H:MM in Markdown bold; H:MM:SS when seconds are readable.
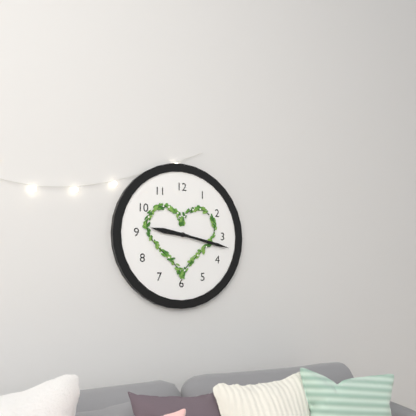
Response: **9:17**
